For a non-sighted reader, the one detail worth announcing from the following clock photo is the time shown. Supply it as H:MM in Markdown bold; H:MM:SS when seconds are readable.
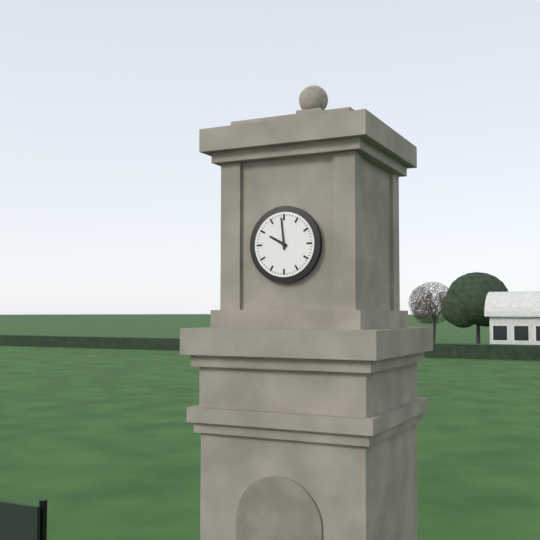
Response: **9:59**
